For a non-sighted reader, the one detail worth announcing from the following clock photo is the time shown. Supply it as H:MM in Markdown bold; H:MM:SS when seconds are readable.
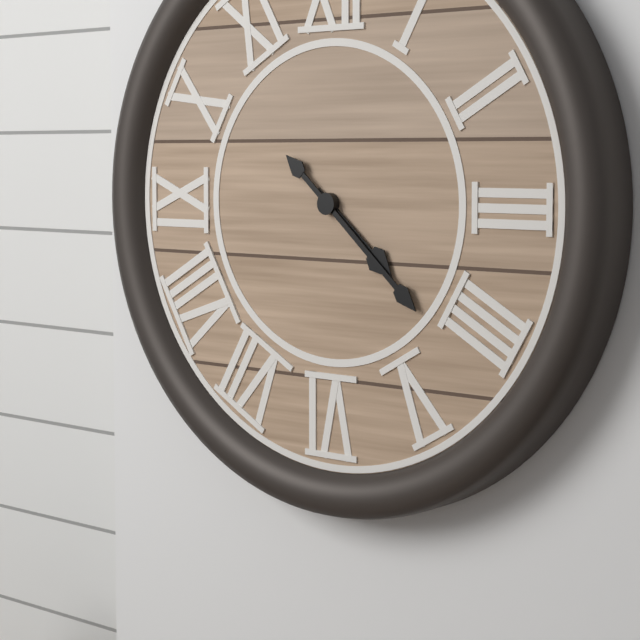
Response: **4:22**
